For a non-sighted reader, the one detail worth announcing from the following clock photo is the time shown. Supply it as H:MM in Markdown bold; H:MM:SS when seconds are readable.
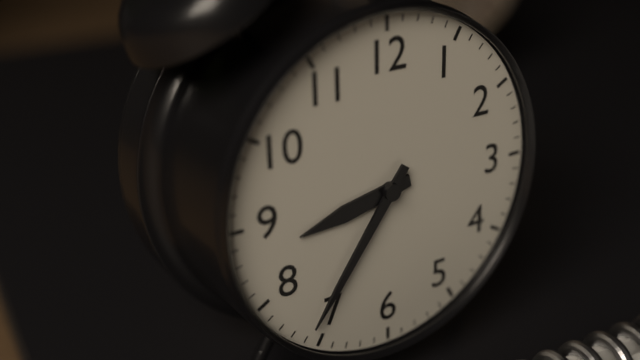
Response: **8:36**
